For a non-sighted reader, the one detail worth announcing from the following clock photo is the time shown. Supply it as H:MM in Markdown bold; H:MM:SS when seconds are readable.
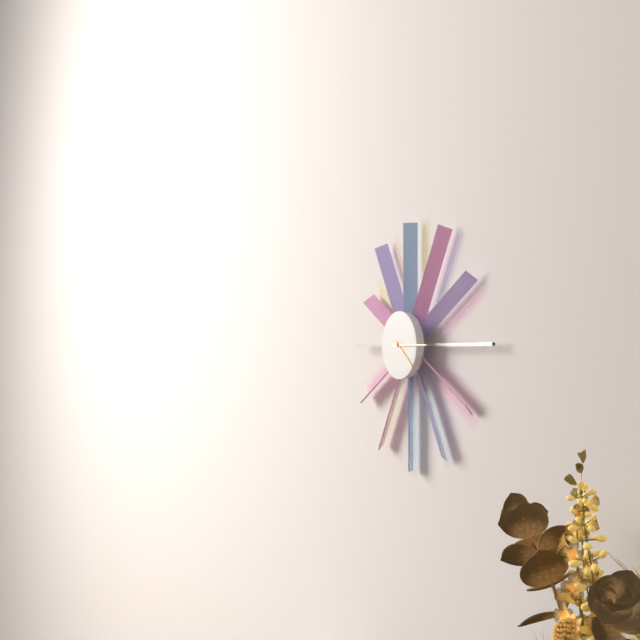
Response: **4:15**
